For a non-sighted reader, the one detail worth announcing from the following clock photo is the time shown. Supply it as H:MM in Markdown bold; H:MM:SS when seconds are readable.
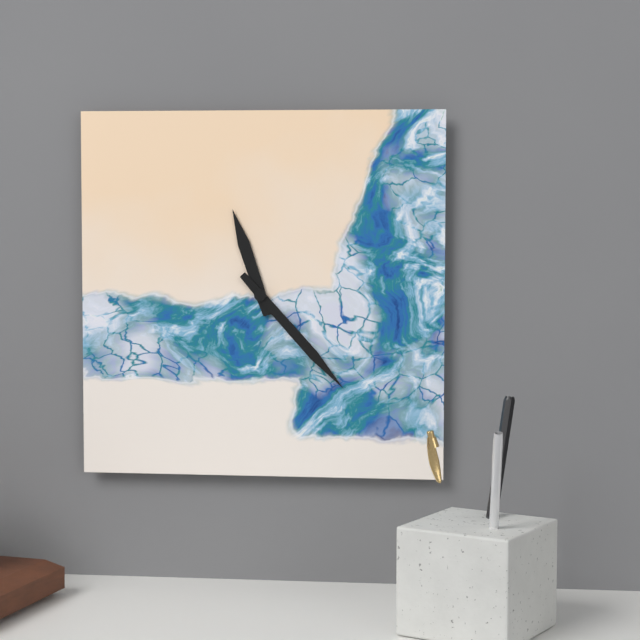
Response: **11:23**
